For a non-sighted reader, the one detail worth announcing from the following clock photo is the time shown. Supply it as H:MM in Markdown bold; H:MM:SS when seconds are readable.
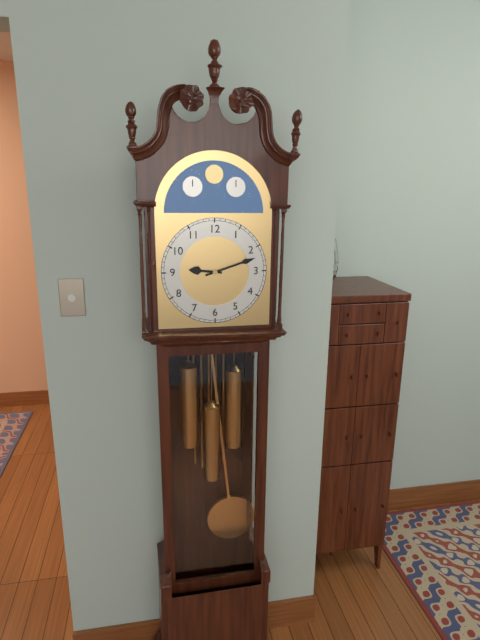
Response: **9:12**
